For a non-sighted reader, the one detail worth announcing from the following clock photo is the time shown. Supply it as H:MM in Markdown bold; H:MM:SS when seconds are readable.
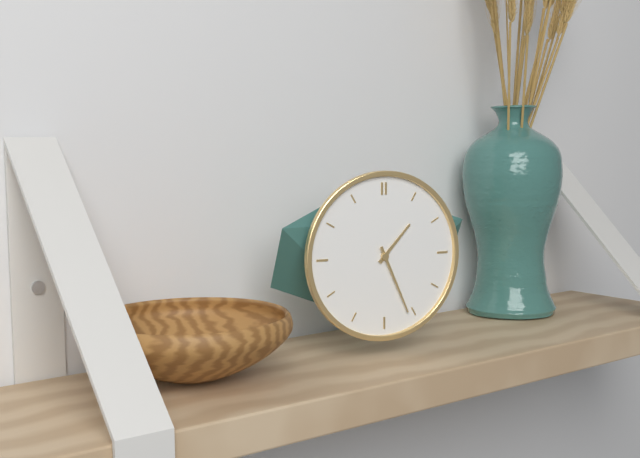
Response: **1:26**
